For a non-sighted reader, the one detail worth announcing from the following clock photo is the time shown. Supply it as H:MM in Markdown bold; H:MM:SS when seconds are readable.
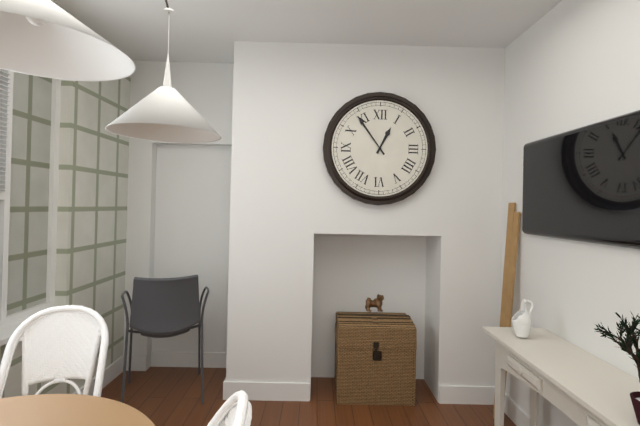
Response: **12:54**
